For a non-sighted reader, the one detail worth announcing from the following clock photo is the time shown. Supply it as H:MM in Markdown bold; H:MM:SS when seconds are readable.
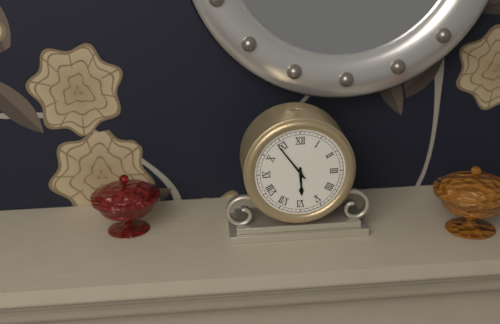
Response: **5:54**
